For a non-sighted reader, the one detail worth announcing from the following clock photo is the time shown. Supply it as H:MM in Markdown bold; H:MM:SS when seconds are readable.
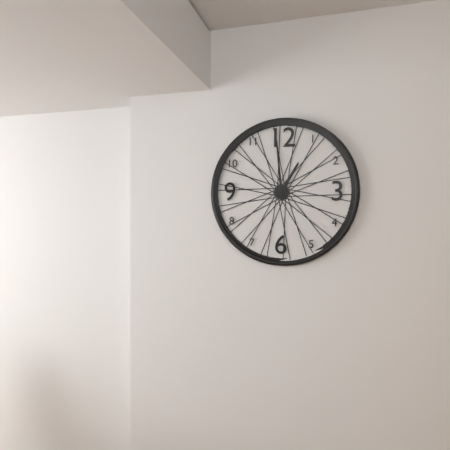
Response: **12:59**
